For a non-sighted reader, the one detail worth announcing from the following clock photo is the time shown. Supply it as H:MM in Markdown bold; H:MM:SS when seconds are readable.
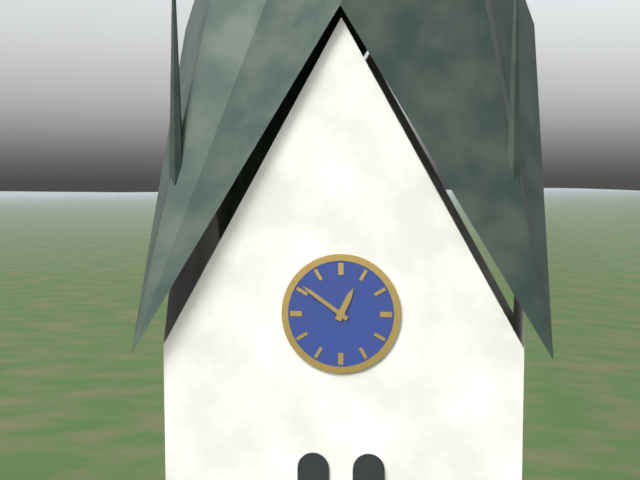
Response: **12:51**
